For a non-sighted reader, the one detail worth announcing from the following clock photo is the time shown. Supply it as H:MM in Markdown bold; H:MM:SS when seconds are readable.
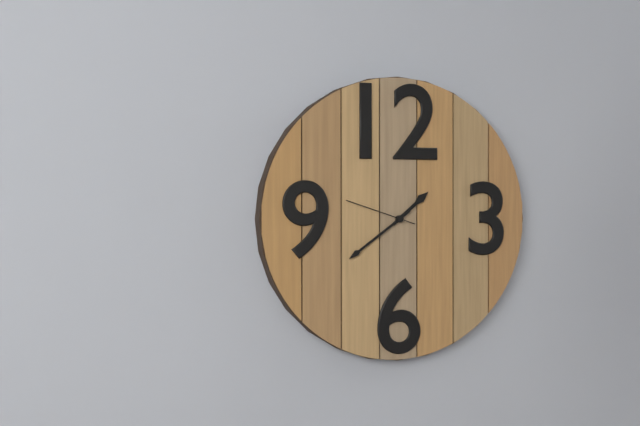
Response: **1:39:48**
